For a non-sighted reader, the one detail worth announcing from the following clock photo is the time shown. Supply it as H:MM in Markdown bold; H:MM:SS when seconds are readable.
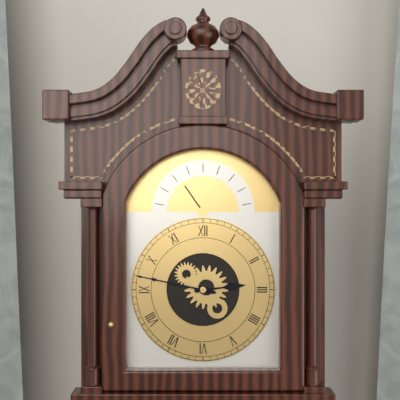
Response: **2:47**
